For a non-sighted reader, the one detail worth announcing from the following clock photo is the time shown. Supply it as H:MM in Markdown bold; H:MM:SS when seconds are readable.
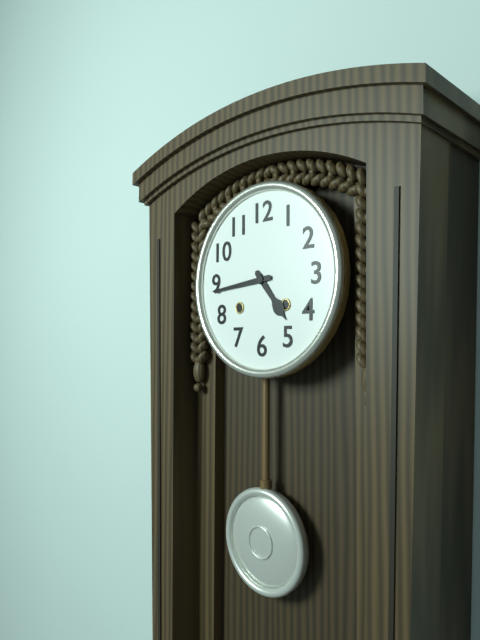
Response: **4:44**
